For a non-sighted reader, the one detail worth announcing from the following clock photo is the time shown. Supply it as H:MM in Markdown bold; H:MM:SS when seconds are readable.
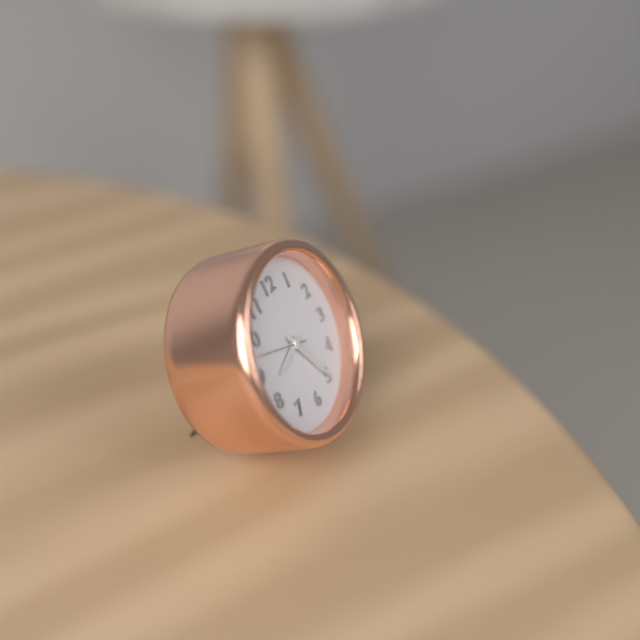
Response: **8:25:48**
